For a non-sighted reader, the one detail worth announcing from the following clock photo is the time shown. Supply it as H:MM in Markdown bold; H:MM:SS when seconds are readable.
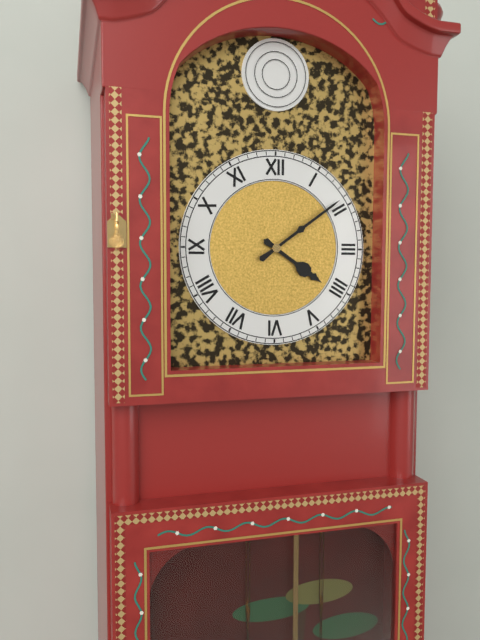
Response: **4:09**
